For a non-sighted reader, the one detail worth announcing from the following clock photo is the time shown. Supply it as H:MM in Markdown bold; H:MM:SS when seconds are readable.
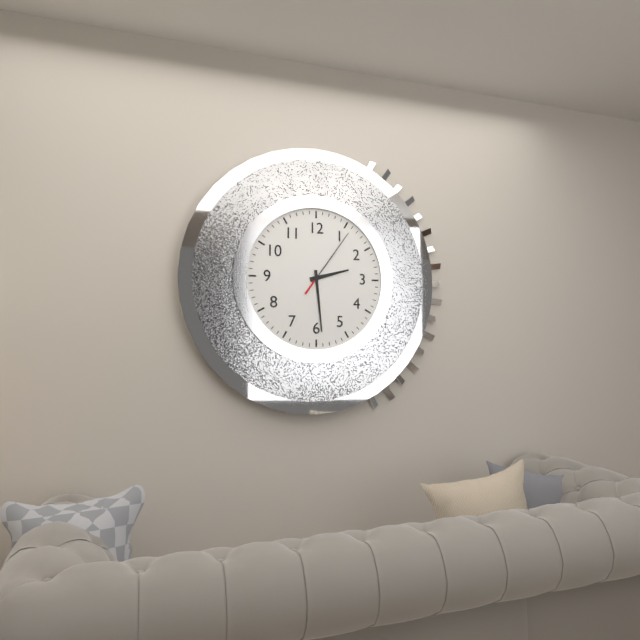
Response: **2:29:06**
